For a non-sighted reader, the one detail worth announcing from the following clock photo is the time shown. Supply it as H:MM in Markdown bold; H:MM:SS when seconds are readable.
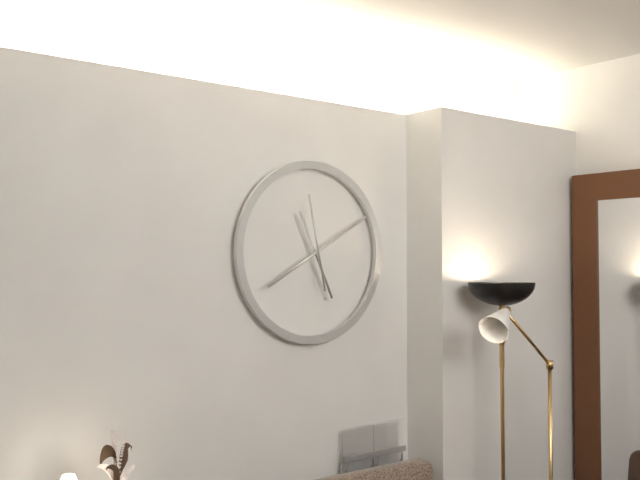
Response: **5:10:58**
